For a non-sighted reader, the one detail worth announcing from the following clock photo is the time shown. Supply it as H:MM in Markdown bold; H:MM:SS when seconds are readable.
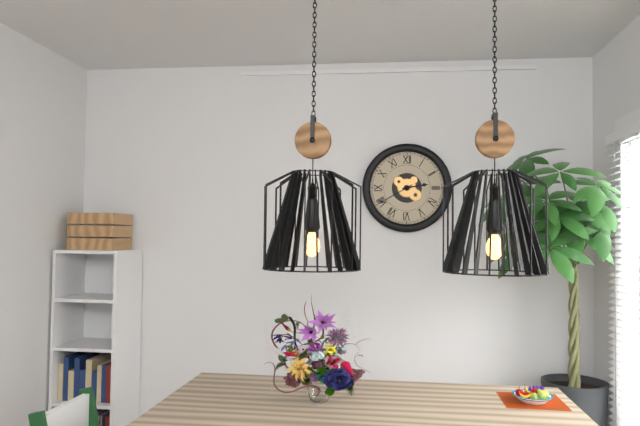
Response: **2:40**
